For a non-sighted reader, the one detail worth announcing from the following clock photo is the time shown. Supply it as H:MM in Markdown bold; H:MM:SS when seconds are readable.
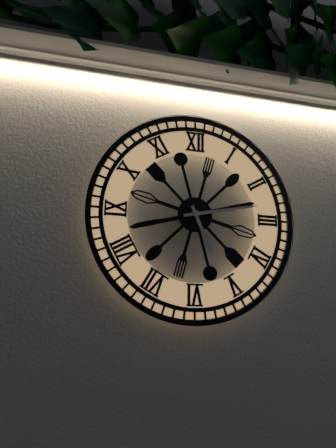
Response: **5:13**
